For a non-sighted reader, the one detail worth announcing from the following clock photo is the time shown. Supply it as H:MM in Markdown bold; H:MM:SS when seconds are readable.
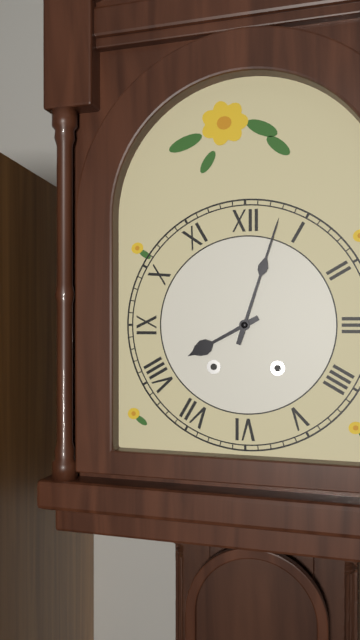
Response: **8:03**
